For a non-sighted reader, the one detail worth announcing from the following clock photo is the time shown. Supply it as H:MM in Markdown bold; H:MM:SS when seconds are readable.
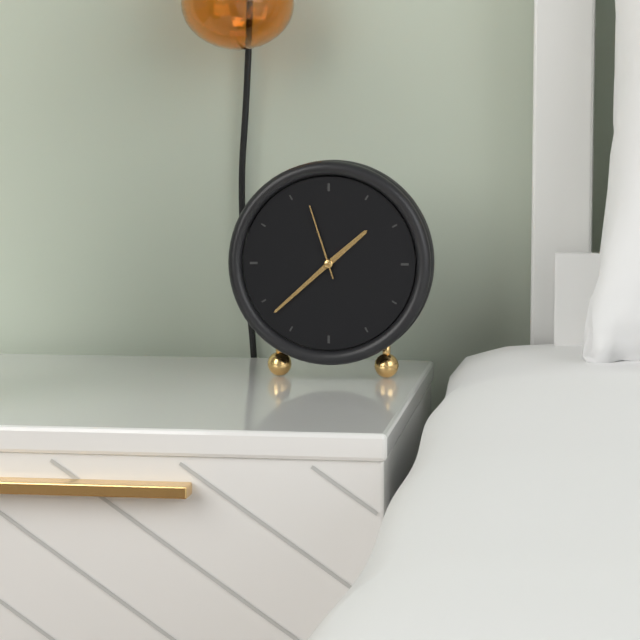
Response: **1:38:57**
